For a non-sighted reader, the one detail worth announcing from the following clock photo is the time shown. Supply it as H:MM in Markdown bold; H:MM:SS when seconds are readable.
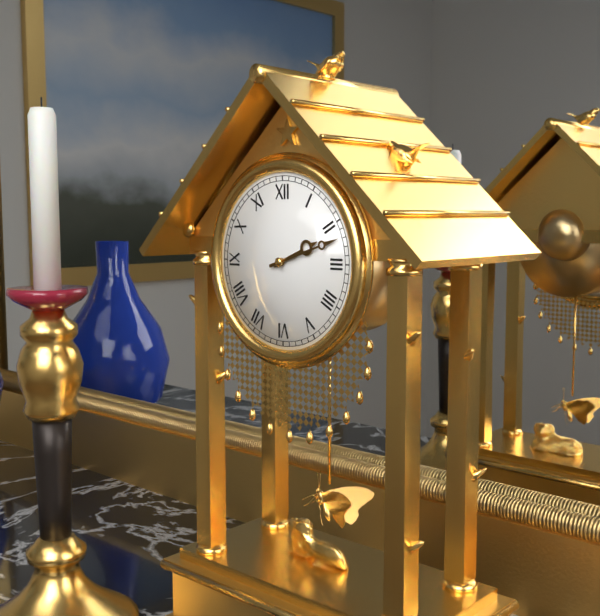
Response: **2:12**
